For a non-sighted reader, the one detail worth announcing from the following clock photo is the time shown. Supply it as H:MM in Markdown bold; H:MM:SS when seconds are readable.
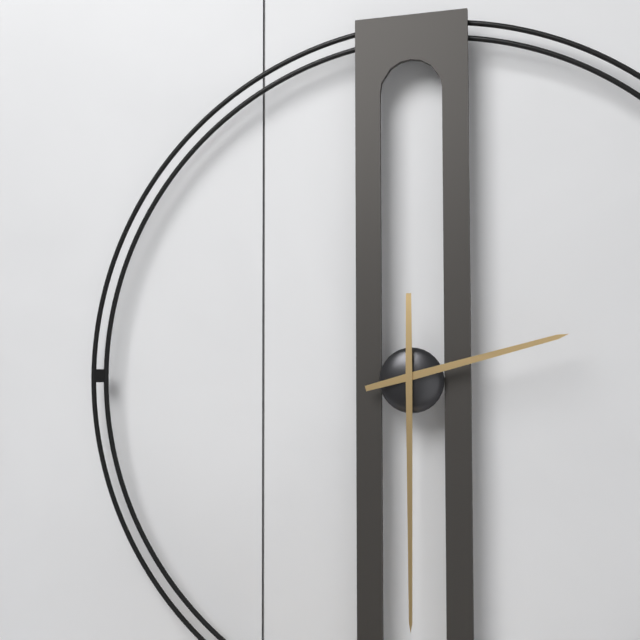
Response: **2:30**
